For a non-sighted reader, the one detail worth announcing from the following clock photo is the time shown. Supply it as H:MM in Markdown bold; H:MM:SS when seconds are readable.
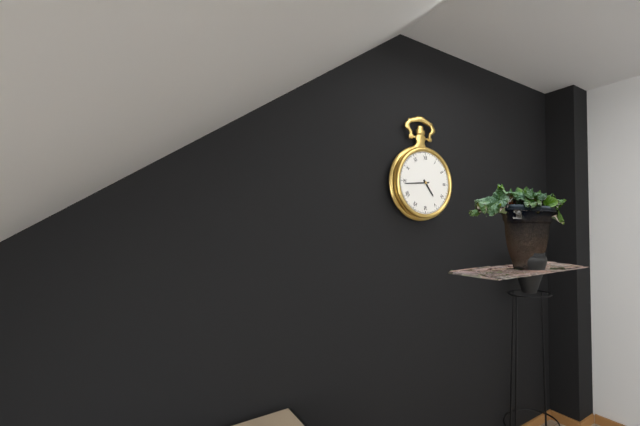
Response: **4:44**
